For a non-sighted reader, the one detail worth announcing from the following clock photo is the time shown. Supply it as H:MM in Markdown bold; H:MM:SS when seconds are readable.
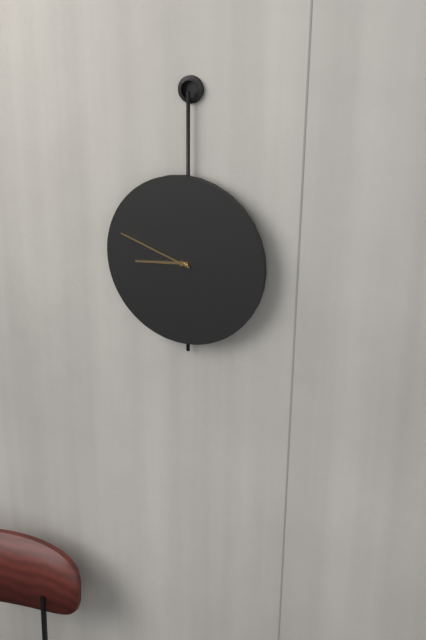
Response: **8:48**
